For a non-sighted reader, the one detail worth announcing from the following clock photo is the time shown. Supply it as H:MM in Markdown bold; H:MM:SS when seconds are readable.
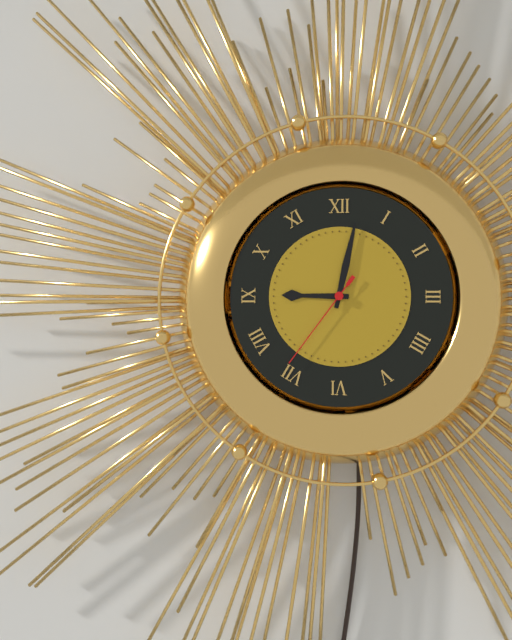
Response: **9:02:36**
